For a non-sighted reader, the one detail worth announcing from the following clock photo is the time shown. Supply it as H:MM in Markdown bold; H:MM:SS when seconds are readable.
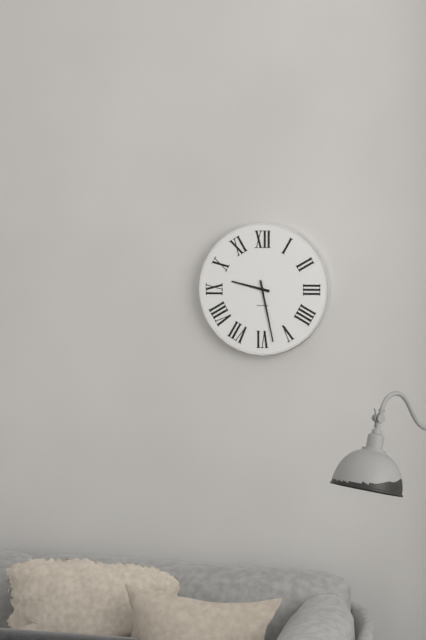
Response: **9:28**
